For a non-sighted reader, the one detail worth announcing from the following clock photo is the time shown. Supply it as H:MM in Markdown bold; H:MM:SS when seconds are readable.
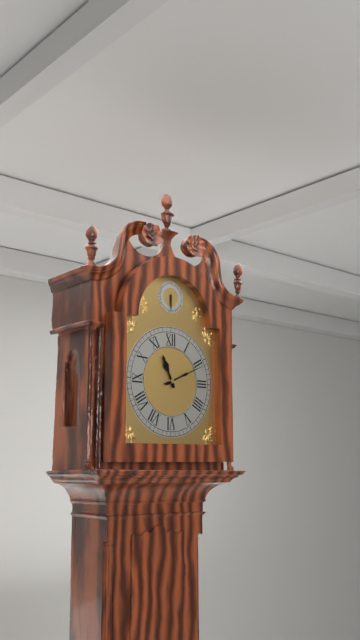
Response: **11:11**
